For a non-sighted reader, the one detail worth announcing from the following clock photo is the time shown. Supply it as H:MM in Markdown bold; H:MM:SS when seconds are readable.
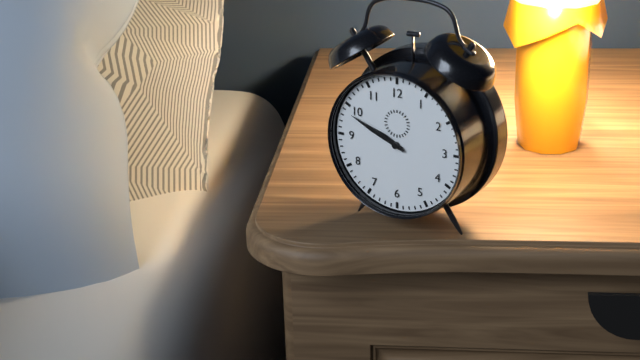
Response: **9:49**
